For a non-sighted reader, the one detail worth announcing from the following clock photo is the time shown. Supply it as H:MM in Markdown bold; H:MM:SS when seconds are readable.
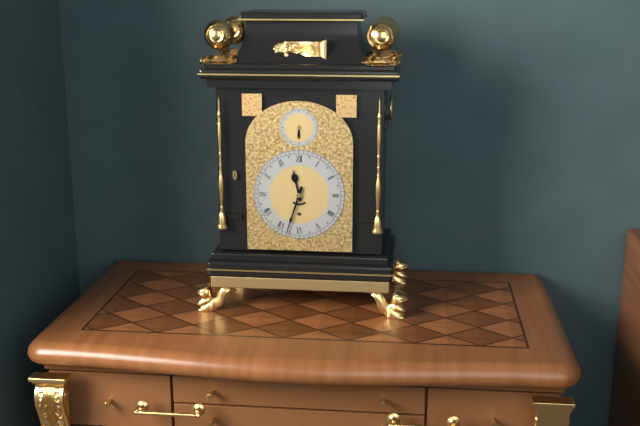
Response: **11:33**
